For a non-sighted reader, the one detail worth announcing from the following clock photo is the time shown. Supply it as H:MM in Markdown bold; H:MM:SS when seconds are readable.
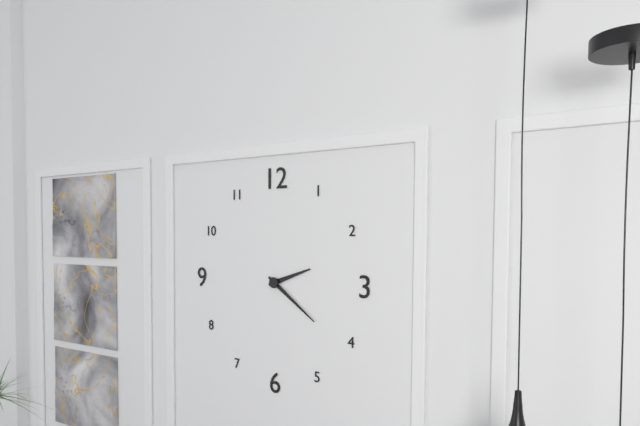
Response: **2:21**
